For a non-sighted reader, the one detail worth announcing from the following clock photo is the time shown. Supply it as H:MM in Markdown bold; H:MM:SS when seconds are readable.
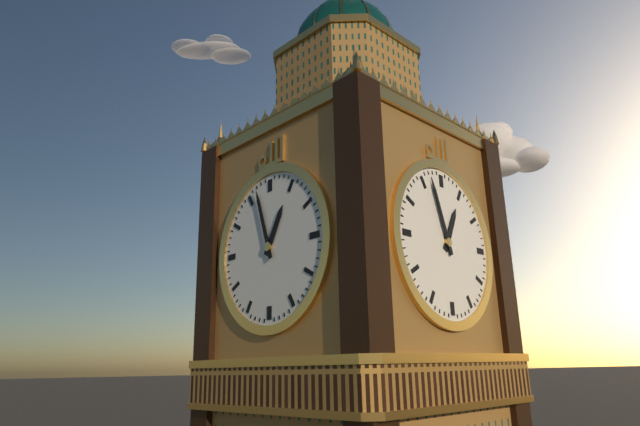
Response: **12:57**
